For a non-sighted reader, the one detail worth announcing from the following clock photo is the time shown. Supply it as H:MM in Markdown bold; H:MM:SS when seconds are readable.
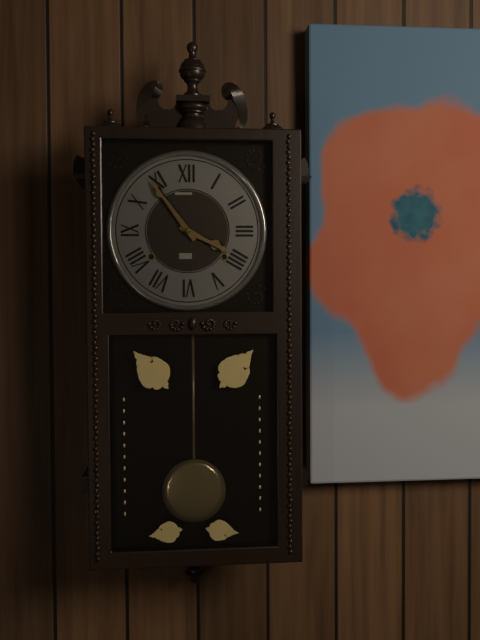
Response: **3:54**
